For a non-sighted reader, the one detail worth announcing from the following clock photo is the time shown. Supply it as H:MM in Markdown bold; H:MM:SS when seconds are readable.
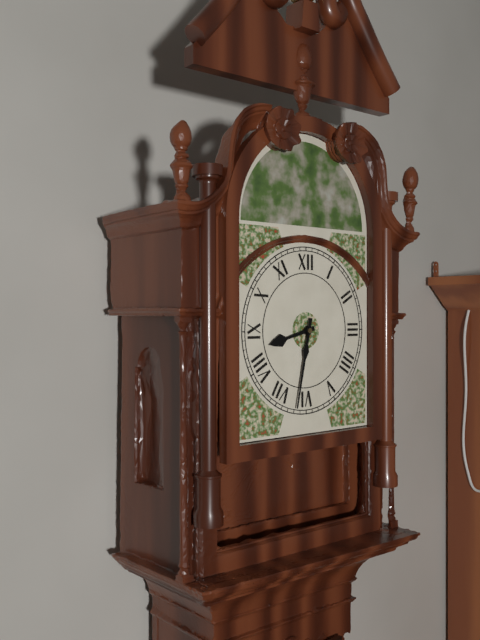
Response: **8:32**
